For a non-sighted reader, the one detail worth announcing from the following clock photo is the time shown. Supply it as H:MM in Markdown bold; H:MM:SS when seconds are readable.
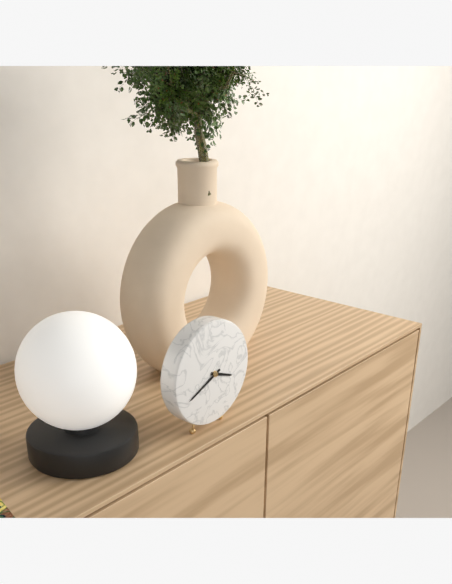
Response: **3:41**
